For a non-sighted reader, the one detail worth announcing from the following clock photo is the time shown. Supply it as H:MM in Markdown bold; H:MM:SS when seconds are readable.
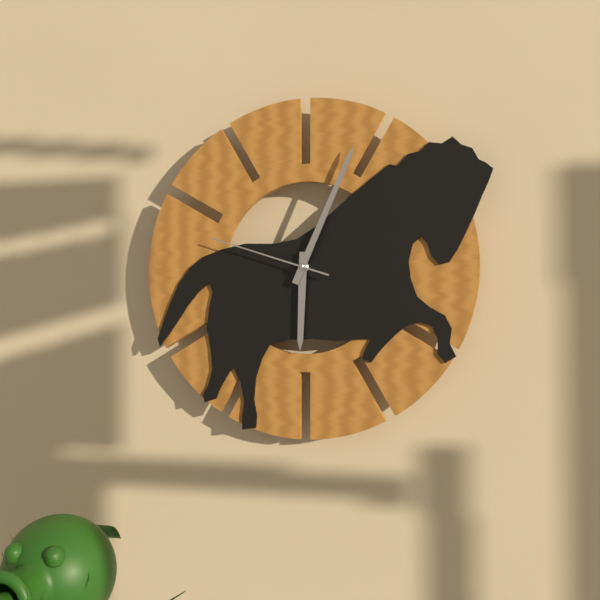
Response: **6:04:48**
